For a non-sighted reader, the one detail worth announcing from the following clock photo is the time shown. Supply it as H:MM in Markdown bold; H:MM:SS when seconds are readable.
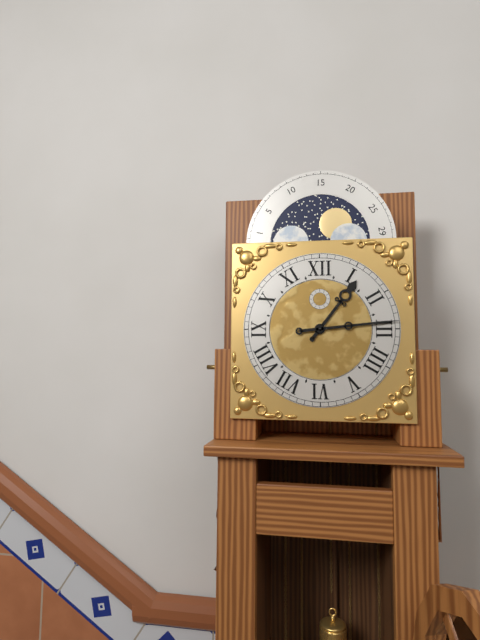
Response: **1:14**
